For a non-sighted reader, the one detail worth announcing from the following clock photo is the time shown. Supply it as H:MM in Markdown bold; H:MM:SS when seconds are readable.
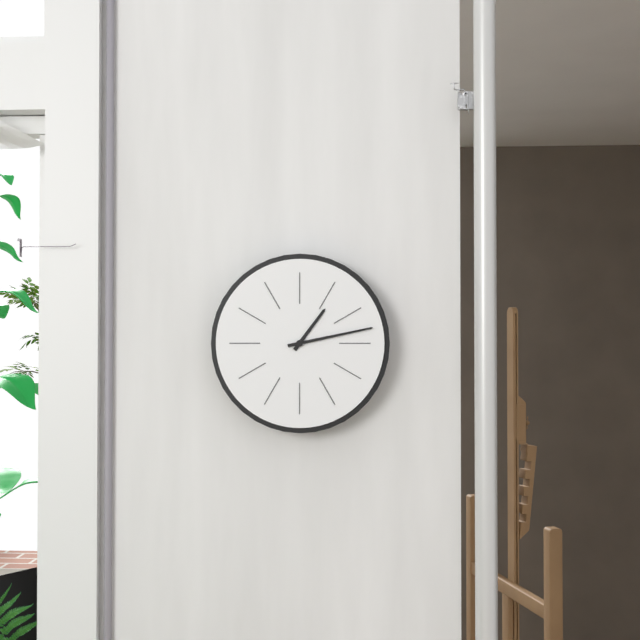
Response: **1:13**
